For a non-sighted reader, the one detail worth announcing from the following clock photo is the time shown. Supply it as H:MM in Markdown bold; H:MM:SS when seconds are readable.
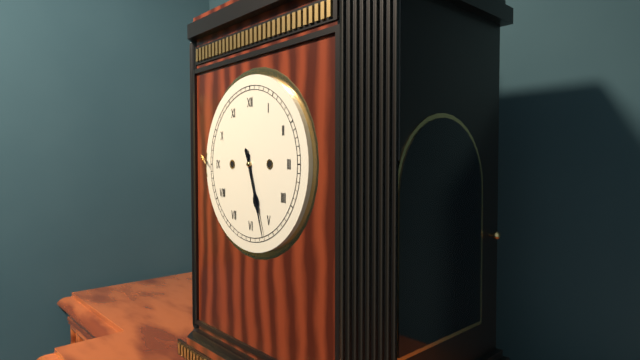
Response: **5:27**
